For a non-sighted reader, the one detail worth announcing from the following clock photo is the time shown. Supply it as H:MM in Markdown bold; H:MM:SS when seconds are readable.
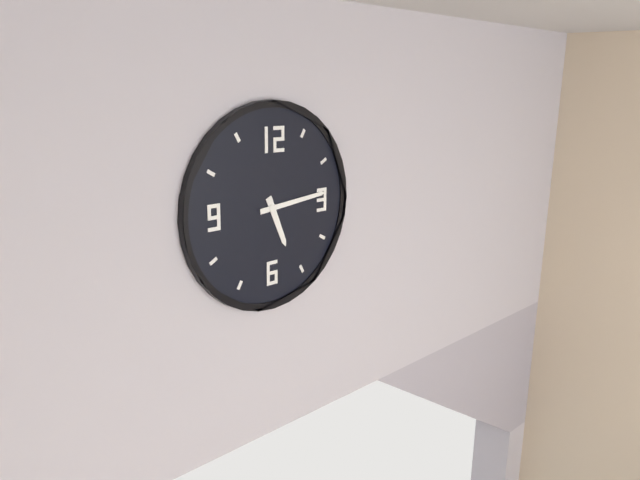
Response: **5:14**
